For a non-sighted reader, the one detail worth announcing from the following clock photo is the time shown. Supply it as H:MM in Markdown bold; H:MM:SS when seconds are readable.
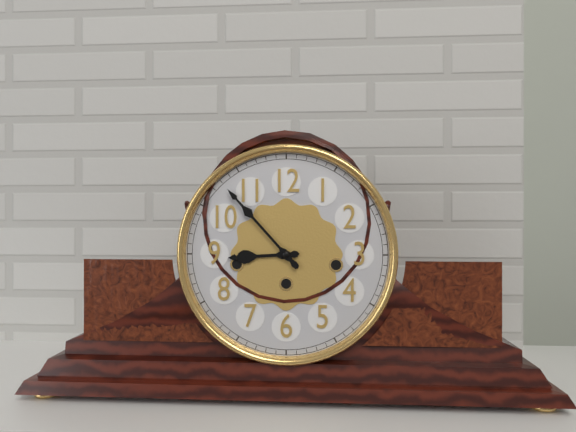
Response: **8:53**
